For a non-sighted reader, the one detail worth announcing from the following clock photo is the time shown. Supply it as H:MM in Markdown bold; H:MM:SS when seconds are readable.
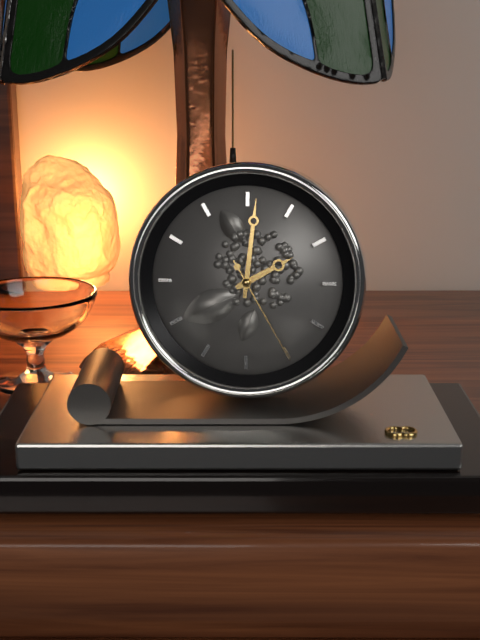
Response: **2:01:25**
